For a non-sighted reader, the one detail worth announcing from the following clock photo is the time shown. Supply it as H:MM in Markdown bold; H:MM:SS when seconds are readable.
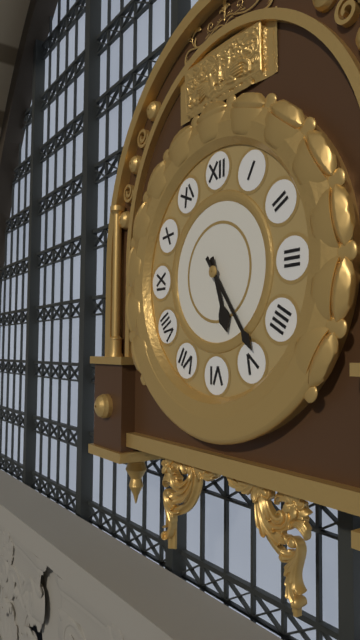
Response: **5:24**
